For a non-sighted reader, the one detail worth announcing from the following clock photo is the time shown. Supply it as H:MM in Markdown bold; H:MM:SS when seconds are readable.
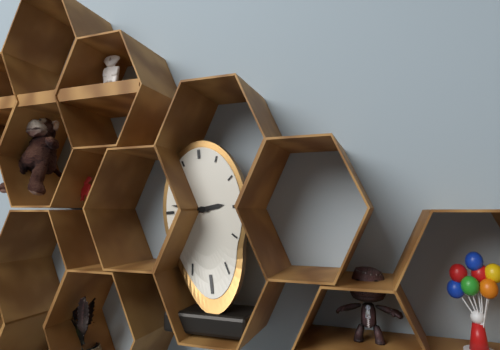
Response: **2:47**
